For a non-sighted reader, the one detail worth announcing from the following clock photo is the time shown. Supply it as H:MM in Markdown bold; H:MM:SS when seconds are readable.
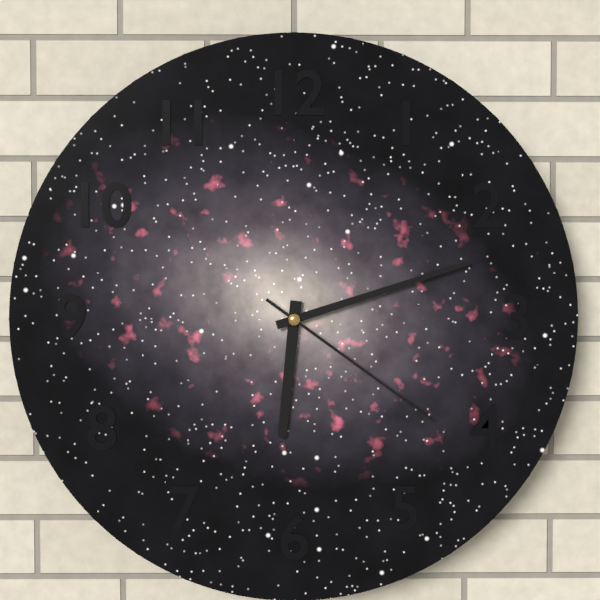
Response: **6:12:21**
